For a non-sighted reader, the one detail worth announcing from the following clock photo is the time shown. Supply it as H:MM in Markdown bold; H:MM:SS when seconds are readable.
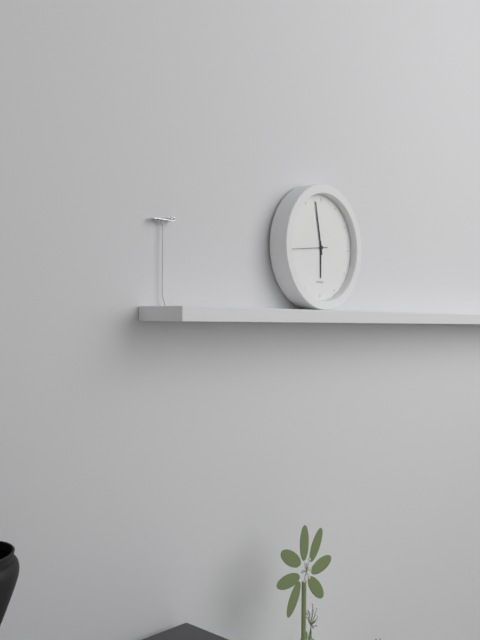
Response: **5:58**
